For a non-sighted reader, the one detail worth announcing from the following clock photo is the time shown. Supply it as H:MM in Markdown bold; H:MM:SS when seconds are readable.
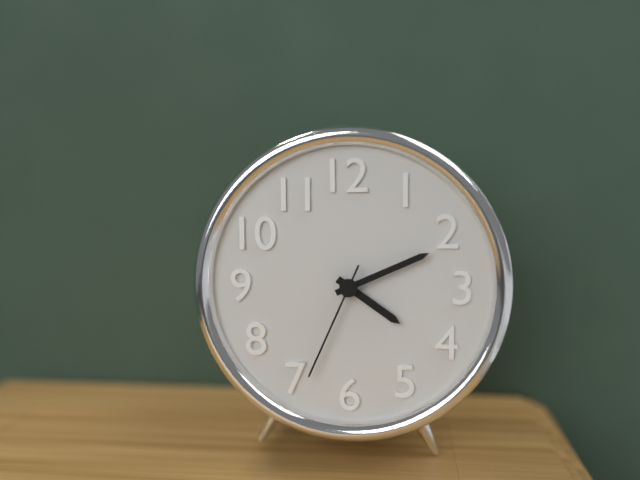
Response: **4:11:34**
